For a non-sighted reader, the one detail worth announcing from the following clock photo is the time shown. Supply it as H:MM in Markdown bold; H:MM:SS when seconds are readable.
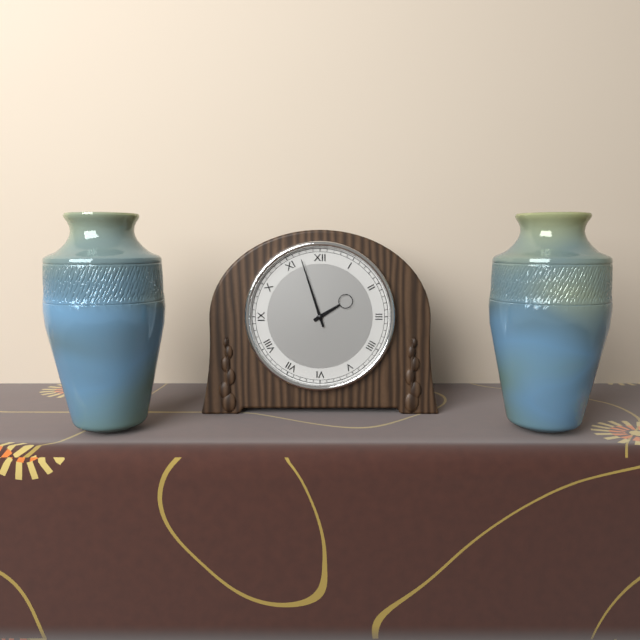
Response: **1:57**
